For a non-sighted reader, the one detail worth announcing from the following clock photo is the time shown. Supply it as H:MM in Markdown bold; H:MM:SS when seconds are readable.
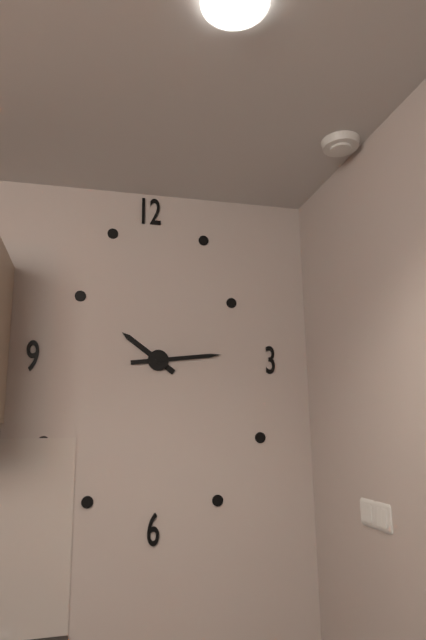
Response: **10:14**
